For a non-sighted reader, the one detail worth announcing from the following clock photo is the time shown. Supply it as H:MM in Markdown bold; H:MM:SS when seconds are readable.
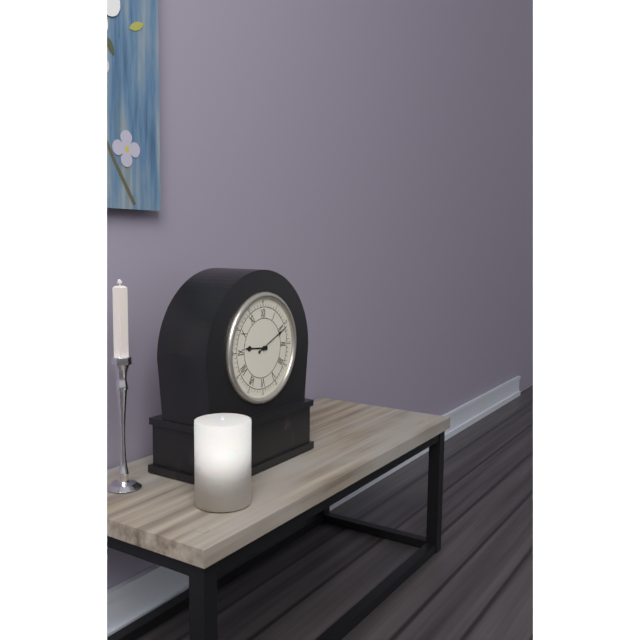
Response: **9:11**
